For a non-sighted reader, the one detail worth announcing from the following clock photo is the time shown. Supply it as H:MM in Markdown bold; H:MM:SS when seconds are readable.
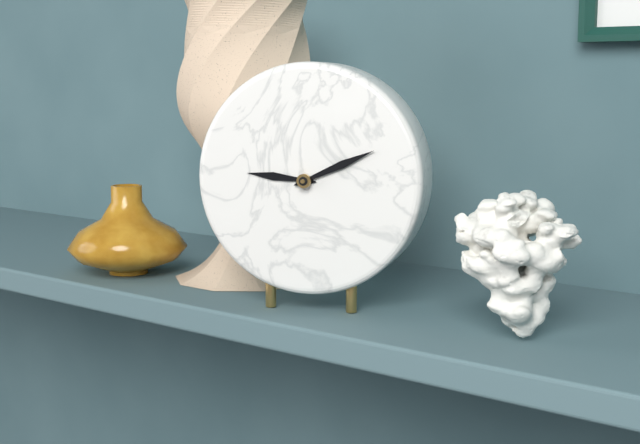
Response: **9:11**
